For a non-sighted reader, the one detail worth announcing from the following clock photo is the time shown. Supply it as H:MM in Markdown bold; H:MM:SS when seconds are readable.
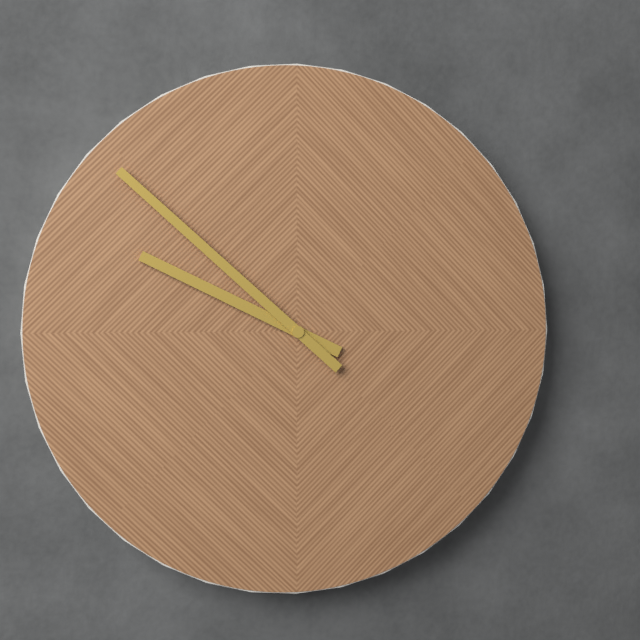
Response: **9:52**
